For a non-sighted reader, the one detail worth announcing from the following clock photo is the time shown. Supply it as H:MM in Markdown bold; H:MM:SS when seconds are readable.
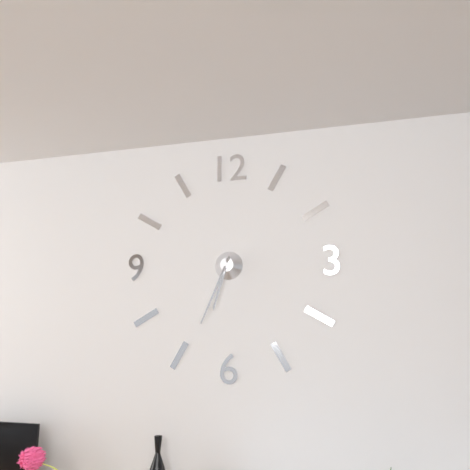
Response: **6:34**
